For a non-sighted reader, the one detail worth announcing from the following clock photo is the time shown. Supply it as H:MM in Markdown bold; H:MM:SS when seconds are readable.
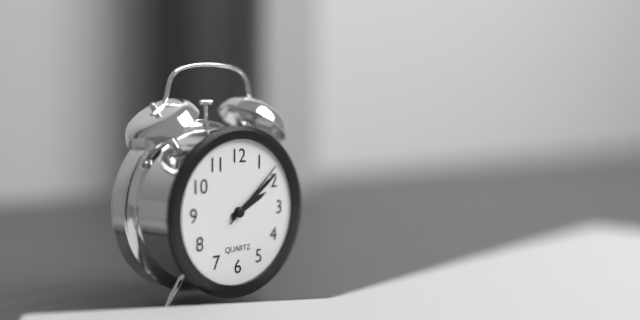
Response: **2:09:08**
